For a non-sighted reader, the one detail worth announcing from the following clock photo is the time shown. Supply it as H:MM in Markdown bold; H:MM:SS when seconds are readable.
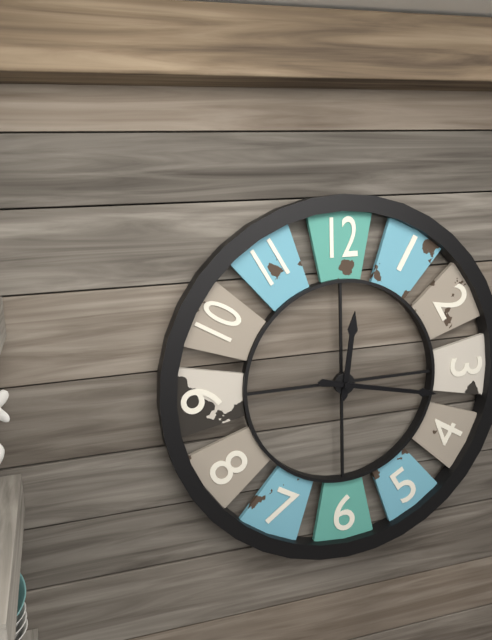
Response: **12:17**
